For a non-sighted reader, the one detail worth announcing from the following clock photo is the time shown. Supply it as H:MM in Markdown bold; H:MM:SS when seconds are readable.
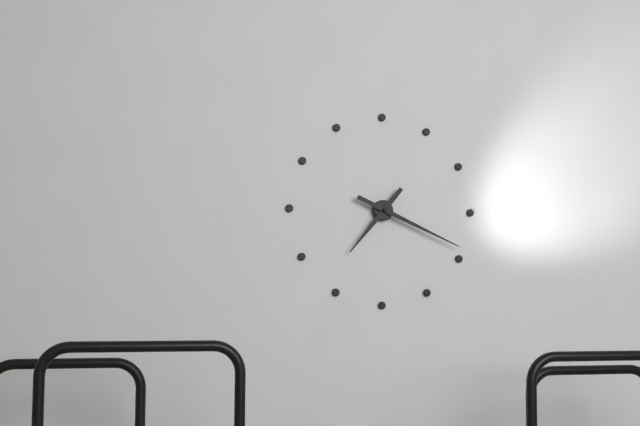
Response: **7:19**
